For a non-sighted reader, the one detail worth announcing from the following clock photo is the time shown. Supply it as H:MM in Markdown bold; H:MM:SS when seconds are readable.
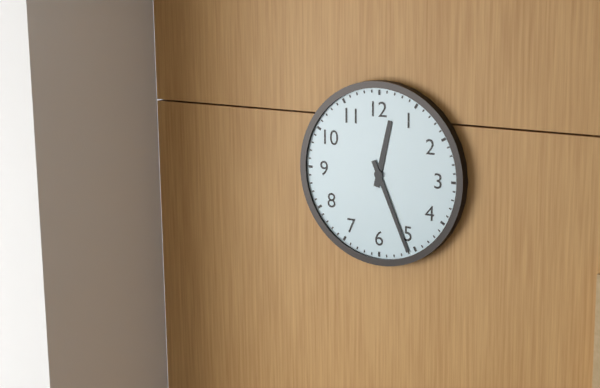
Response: **12:26**
